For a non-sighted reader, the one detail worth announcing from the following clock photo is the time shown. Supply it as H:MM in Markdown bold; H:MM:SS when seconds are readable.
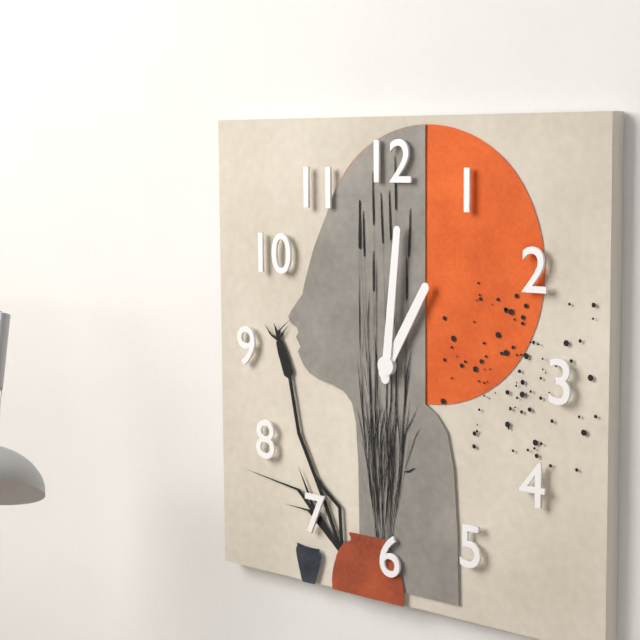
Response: **1:01**
